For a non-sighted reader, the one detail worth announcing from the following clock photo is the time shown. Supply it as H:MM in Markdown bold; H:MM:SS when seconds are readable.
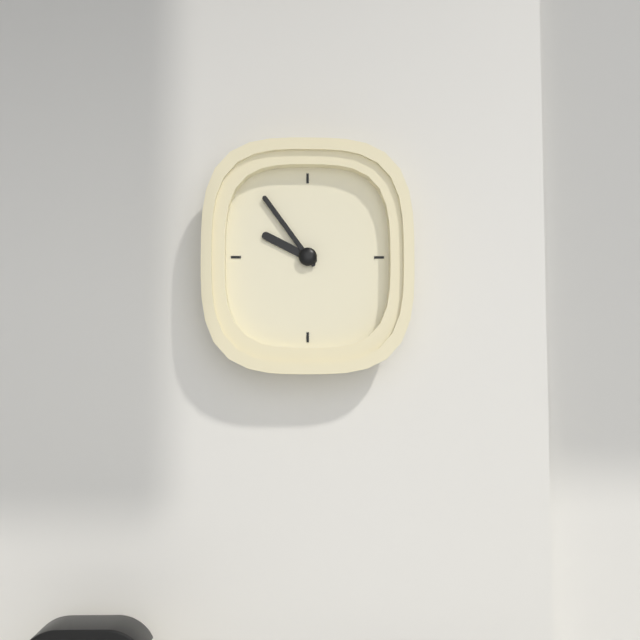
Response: **9:54**
